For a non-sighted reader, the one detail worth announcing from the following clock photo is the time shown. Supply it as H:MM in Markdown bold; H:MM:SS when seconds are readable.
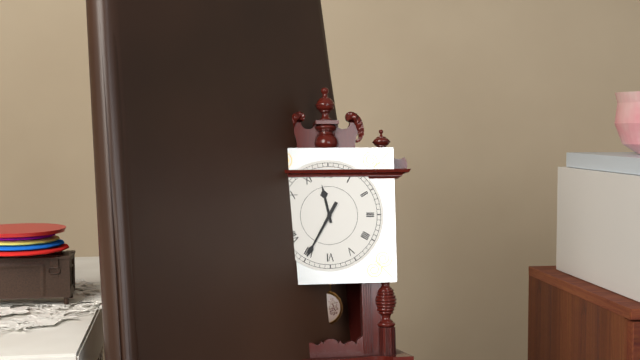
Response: **11:35**
